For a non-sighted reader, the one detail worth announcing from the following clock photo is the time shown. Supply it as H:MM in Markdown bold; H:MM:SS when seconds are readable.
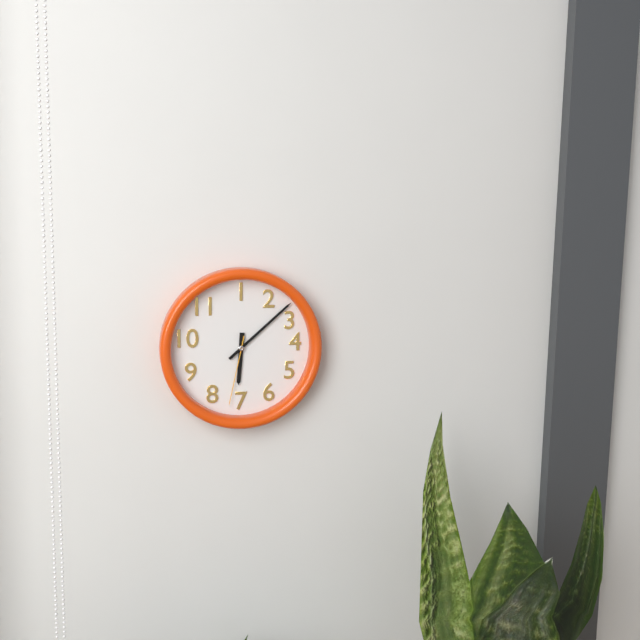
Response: **6:08:32**
